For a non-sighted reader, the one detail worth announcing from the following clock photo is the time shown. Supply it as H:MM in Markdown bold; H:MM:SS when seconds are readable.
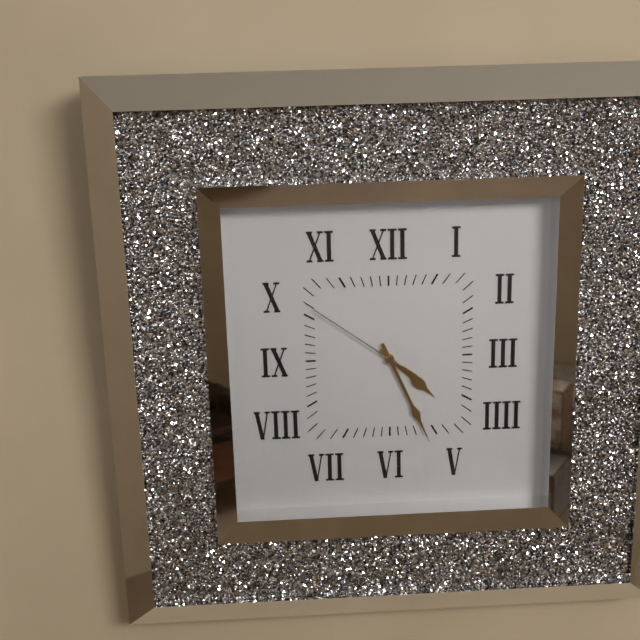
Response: **4:26:51**
